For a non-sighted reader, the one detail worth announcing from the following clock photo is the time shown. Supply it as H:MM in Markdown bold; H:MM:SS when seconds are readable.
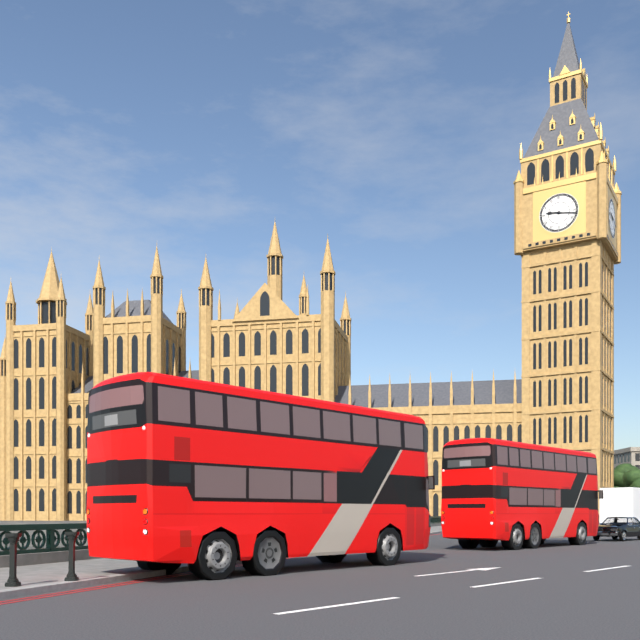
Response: **9:17**
